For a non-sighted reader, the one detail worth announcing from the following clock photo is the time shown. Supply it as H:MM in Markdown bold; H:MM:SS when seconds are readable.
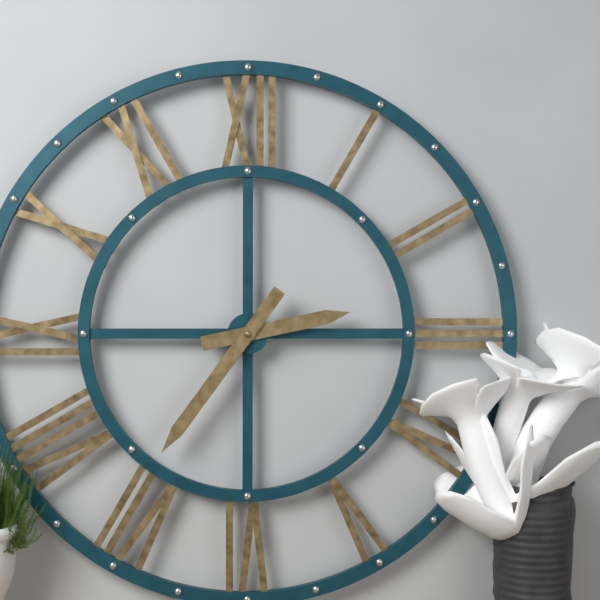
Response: **2:36**
